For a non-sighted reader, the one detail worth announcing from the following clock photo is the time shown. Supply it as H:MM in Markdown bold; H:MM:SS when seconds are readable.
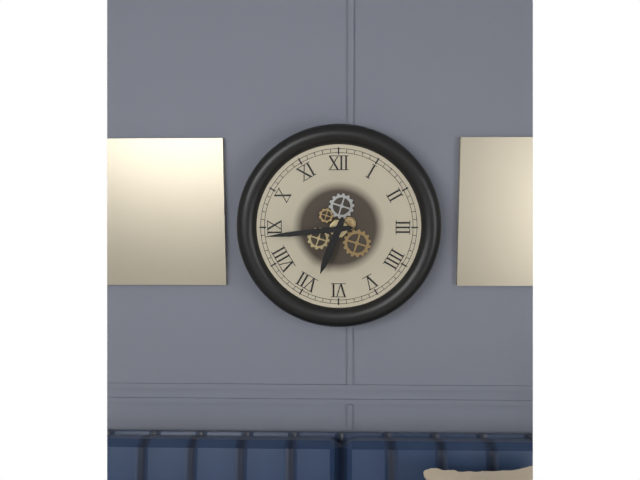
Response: **6:44**
